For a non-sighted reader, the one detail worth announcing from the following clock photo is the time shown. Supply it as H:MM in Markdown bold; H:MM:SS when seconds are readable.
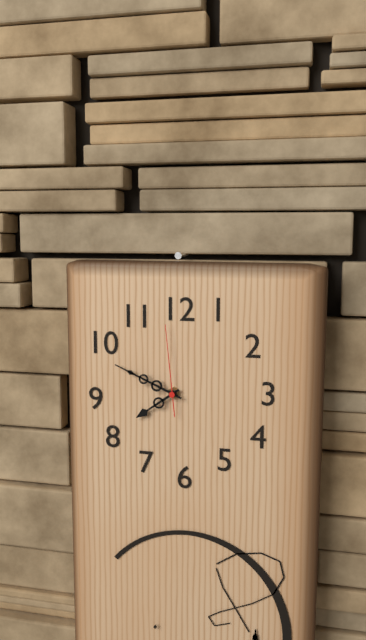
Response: **7:49:59**
